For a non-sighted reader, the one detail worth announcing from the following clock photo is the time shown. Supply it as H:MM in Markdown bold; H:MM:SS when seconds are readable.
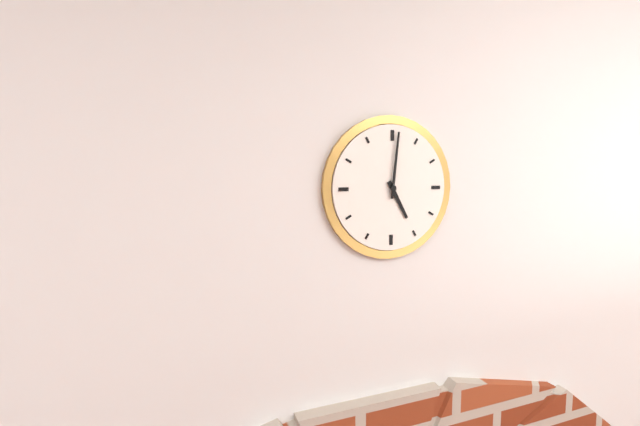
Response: **5:01**
